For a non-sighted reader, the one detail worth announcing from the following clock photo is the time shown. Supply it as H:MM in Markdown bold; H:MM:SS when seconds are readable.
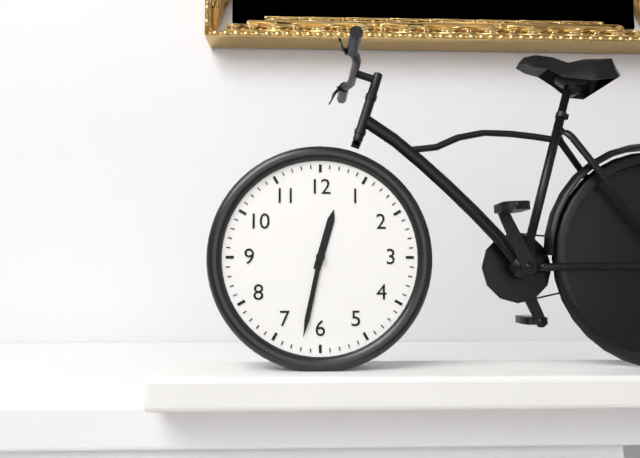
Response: **12:32**
